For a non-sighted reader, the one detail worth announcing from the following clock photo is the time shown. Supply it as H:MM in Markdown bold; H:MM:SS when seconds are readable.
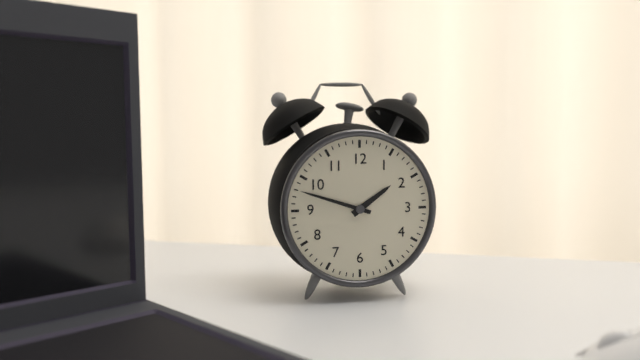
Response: **1:48**
